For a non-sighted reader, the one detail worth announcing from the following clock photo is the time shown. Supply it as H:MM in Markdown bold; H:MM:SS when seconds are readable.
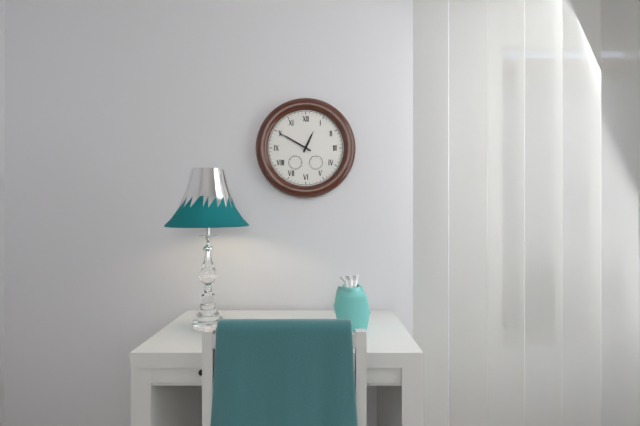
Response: **12:50**
